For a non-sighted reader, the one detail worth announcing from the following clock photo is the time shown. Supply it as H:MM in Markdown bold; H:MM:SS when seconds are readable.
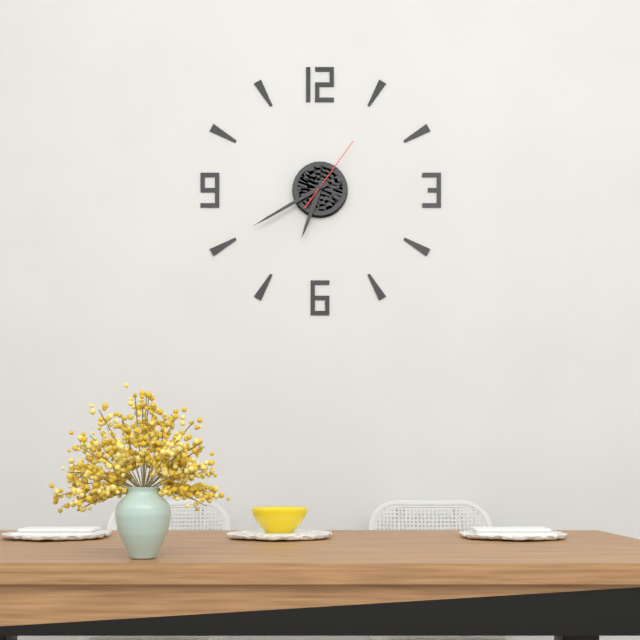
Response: **6:40:06**
